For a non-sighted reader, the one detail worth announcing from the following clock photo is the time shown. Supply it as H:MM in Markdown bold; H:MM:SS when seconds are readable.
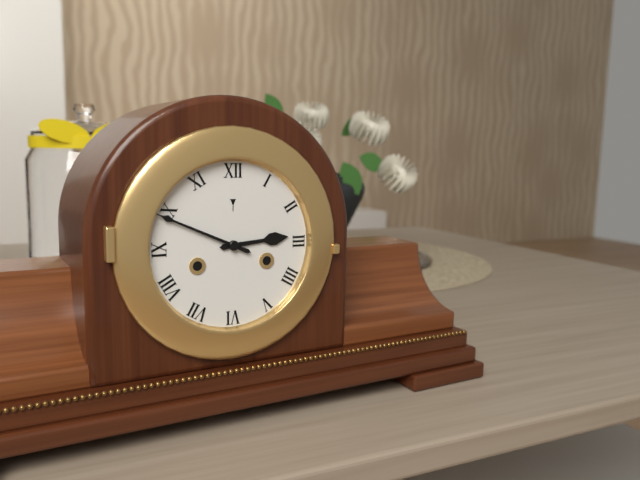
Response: **2:49**
